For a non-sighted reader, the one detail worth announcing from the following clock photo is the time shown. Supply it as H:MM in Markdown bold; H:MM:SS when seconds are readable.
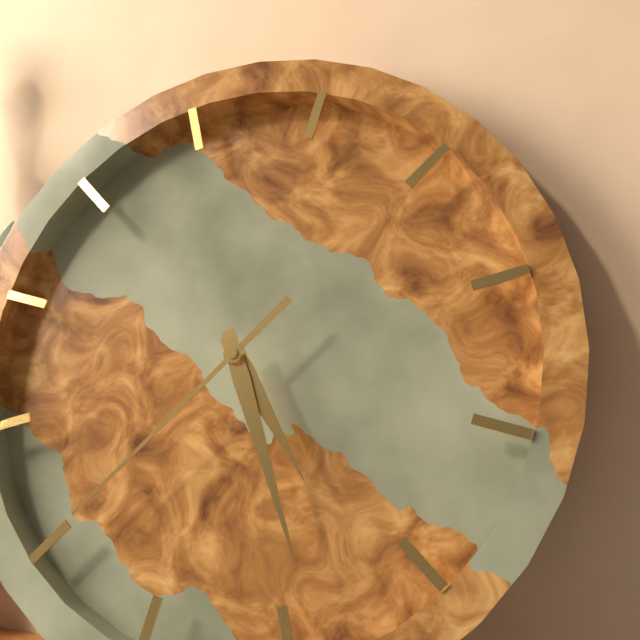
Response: **4:24:35**
